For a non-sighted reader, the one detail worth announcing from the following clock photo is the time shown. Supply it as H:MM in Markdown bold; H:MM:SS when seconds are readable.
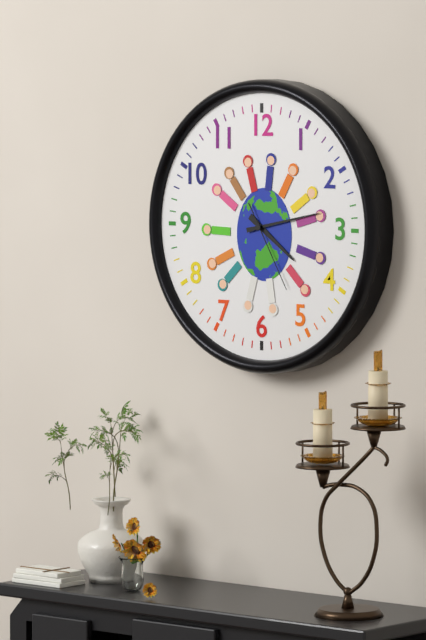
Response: **4:13:25**
